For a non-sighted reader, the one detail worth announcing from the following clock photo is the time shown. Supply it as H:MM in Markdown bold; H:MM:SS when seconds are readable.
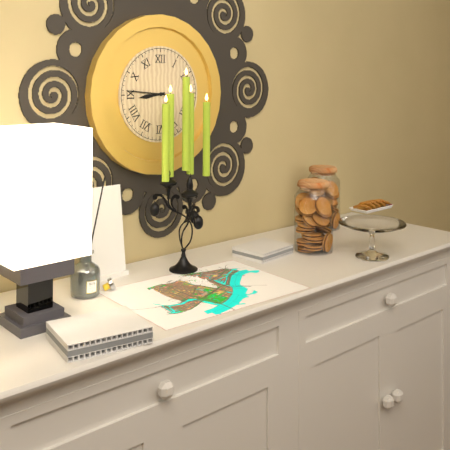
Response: **8:46**
